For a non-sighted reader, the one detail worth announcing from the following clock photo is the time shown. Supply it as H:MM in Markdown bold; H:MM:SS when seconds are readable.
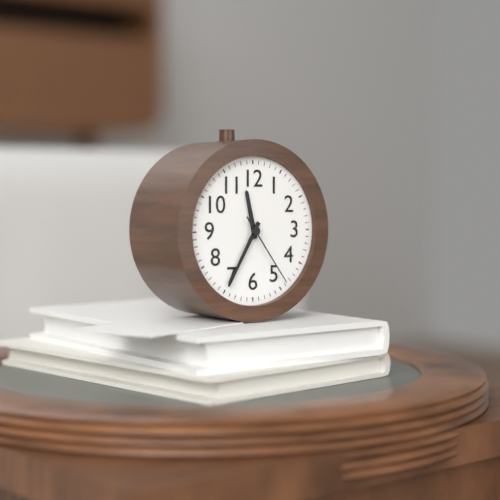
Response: **11:35:24**
